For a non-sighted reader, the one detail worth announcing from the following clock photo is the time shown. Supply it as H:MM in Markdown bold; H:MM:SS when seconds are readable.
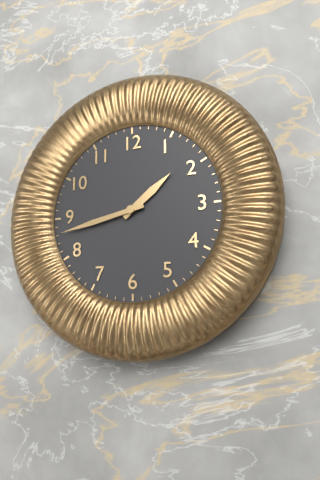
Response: **1:43**
